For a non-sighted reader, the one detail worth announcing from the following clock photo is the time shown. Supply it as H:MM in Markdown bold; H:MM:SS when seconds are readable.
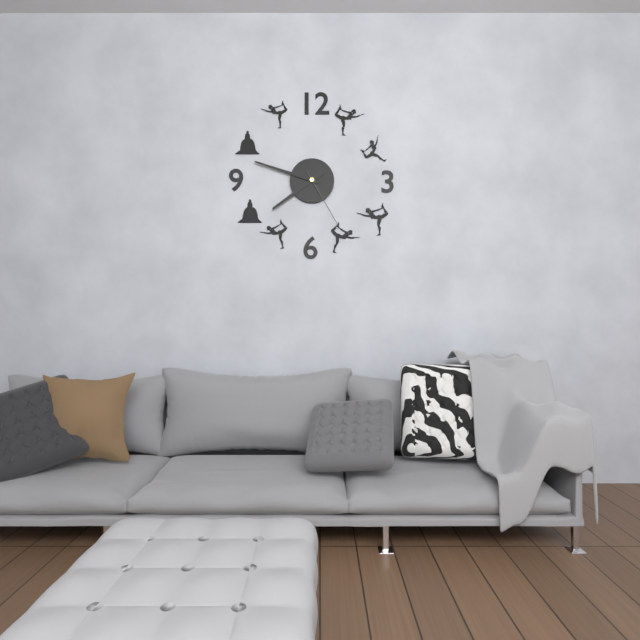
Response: **7:48:25**
